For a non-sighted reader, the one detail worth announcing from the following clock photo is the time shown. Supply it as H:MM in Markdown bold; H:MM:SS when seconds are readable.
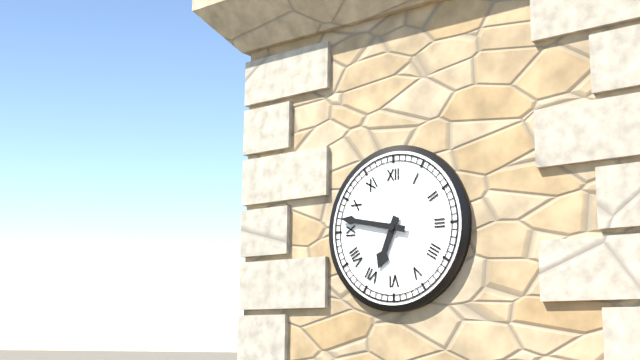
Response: **6:47**
